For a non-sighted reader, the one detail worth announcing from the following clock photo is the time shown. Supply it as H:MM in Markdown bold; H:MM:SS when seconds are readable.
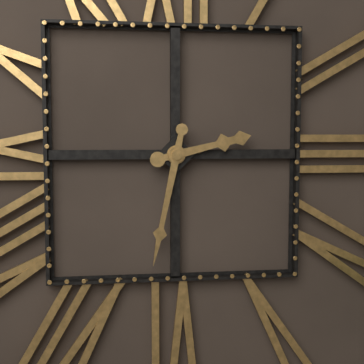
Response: **2:32**
